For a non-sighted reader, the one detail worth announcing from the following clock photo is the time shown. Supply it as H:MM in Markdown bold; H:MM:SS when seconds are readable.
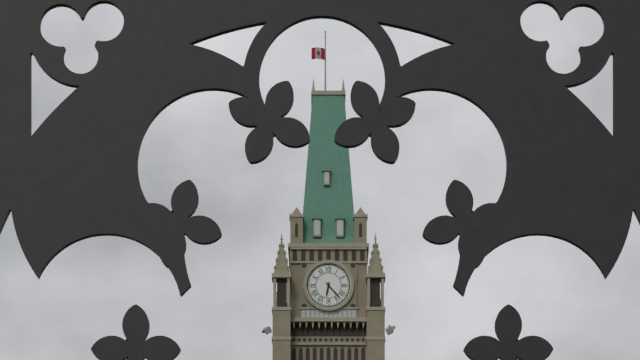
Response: **6:23**
